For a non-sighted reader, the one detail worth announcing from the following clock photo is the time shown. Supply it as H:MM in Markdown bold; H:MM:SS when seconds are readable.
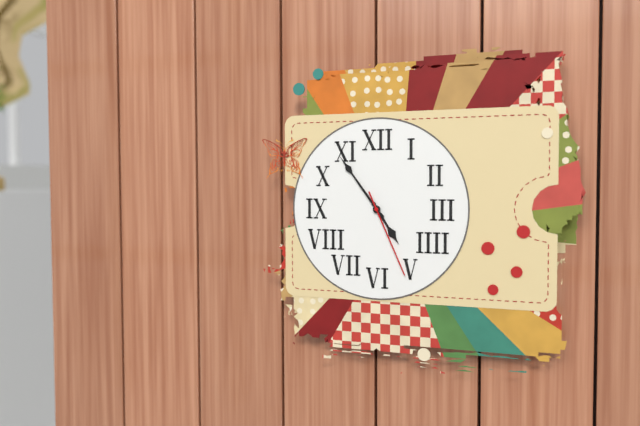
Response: **4:54:26**
